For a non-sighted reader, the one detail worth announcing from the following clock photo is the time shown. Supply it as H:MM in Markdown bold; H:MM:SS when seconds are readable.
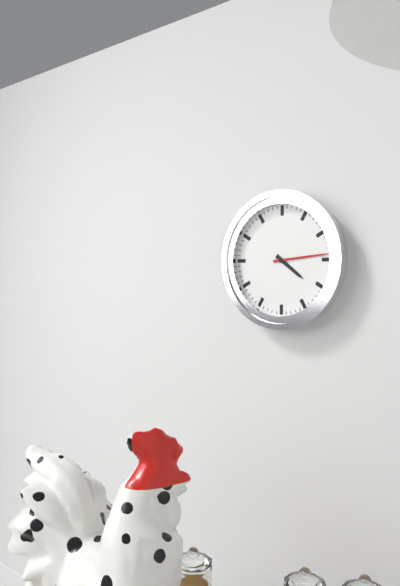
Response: **4:14**
